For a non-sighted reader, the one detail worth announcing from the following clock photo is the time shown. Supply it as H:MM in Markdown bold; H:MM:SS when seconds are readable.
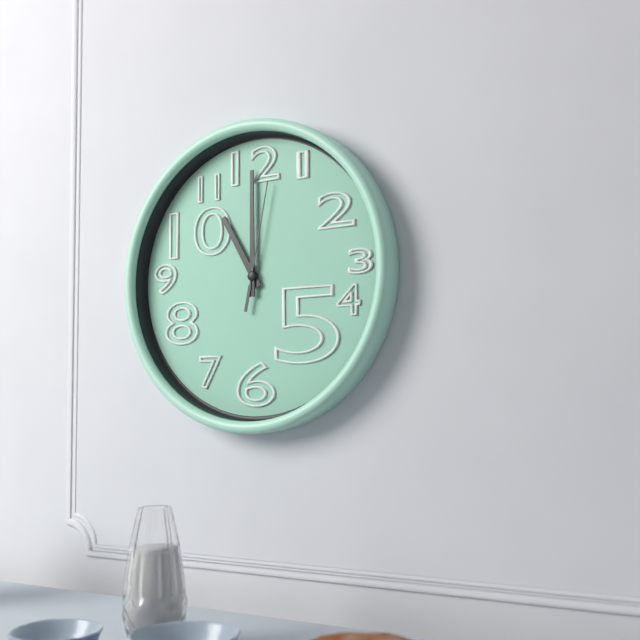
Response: **11:00:02**
